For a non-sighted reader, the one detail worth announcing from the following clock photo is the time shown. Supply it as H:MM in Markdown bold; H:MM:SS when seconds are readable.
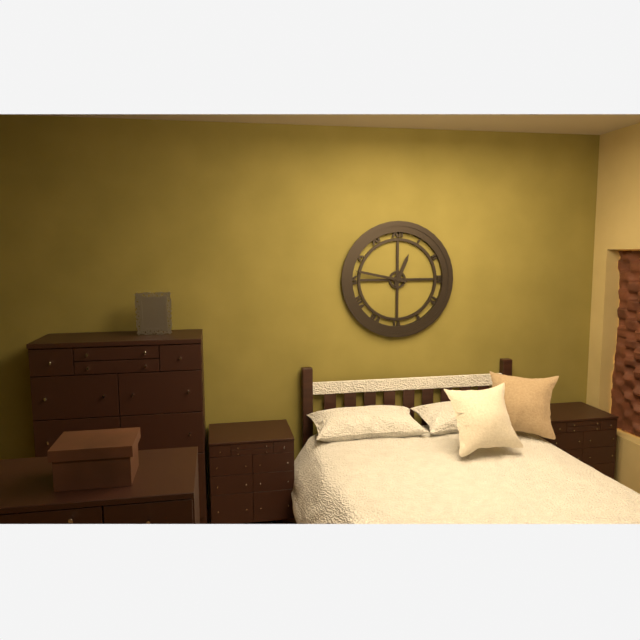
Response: **12:47**
